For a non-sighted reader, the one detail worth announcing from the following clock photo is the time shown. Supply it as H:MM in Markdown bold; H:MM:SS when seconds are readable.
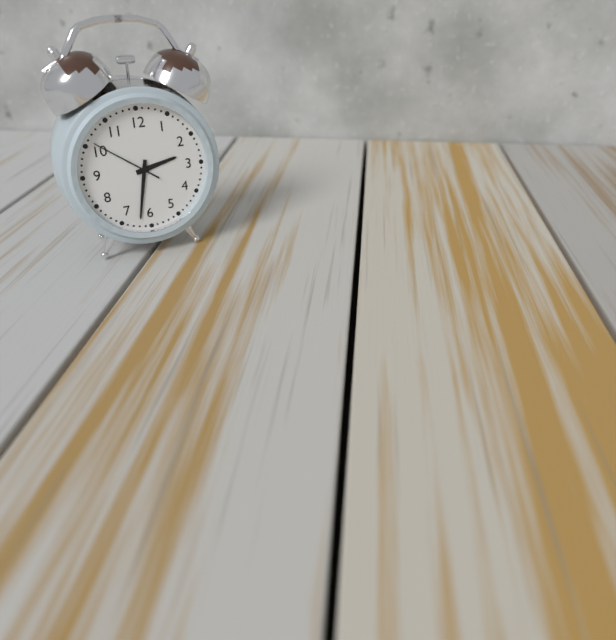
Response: **2:32:51**
